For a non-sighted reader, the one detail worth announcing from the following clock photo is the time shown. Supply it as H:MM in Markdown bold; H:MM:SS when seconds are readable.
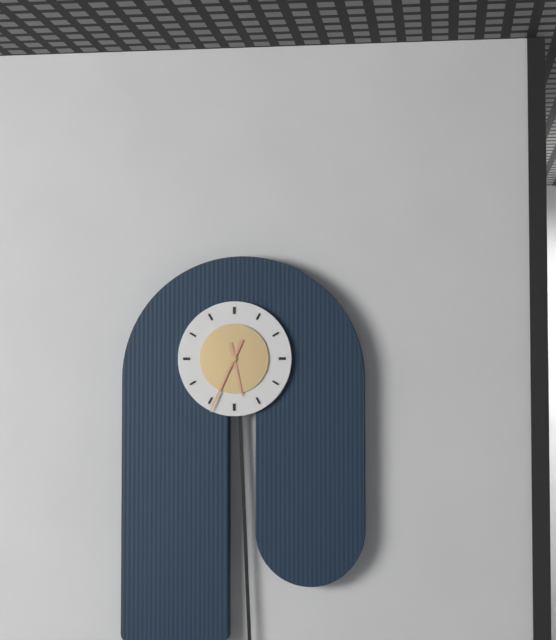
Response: **5:34**
